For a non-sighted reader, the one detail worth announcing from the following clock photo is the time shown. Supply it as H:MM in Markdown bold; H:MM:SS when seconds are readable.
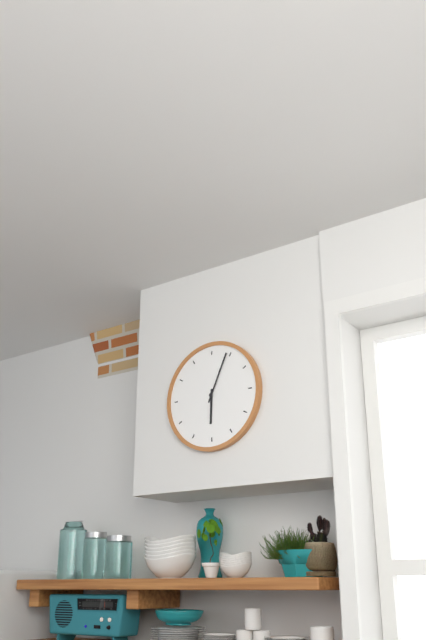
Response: **6:04**
